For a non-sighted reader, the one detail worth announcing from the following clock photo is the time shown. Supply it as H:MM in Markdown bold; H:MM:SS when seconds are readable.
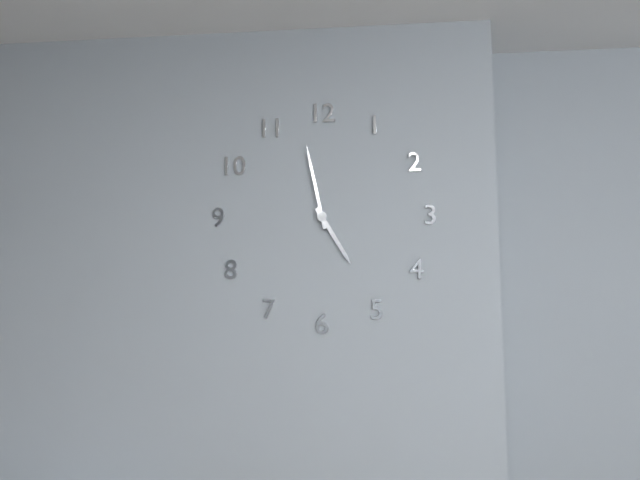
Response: **4:58**
